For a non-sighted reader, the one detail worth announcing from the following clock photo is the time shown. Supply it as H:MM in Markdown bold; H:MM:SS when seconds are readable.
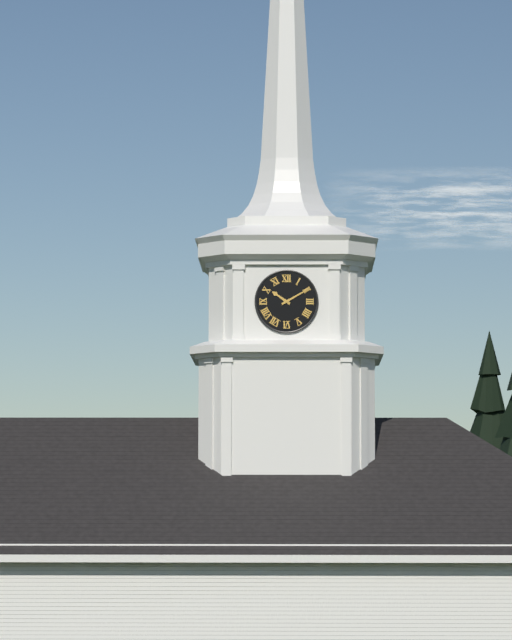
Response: **10:10**
